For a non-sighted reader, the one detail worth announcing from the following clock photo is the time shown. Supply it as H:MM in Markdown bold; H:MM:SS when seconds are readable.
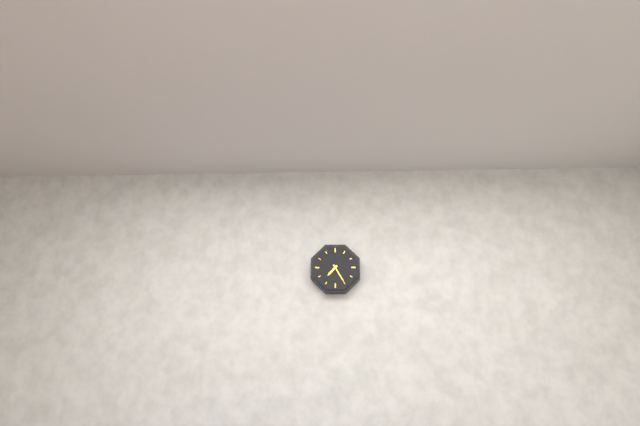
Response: **7:25**
